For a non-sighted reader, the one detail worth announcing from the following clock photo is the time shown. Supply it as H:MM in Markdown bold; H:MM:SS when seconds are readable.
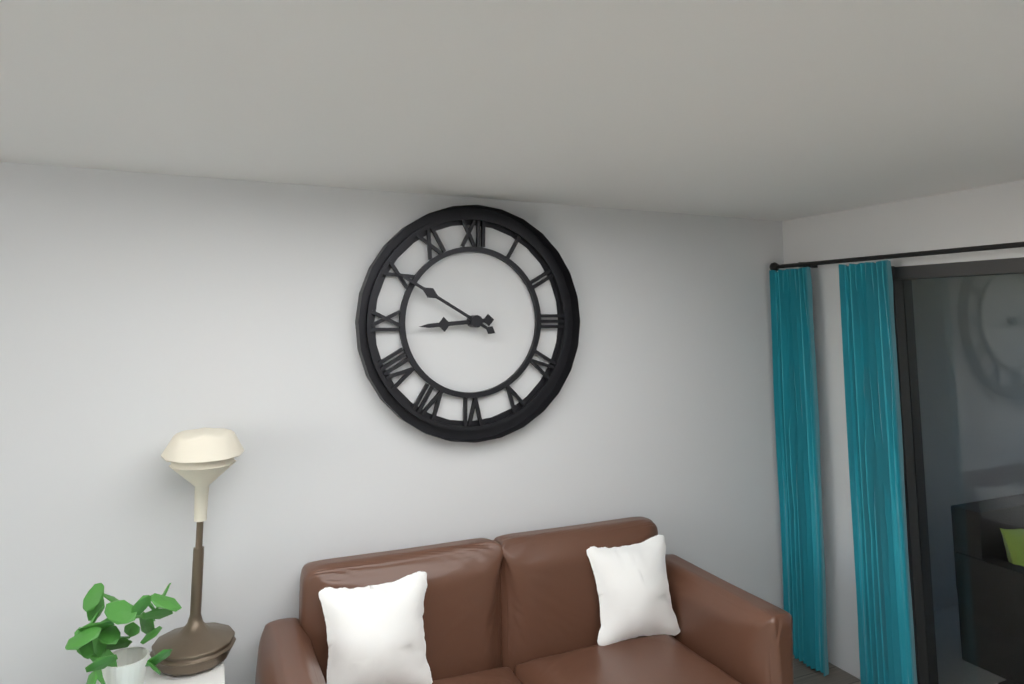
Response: **8:50**
